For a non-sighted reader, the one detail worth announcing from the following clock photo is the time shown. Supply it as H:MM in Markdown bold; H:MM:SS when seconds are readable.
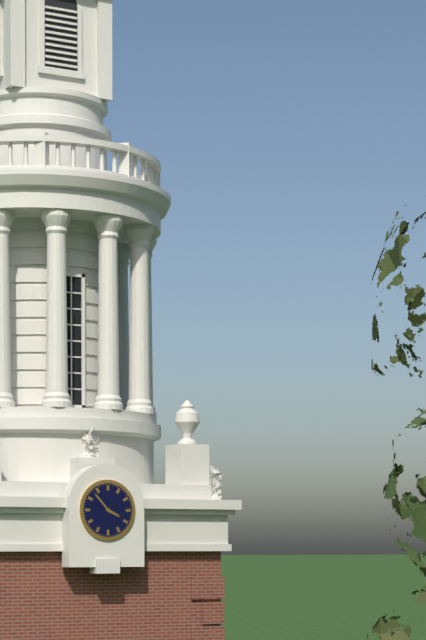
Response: **3:53**
